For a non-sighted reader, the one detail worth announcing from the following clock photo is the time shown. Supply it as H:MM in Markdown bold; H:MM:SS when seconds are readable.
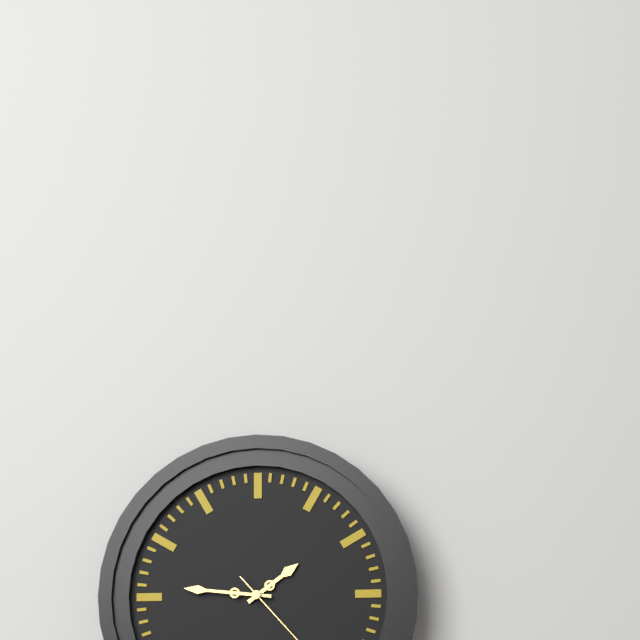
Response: **1:46**
